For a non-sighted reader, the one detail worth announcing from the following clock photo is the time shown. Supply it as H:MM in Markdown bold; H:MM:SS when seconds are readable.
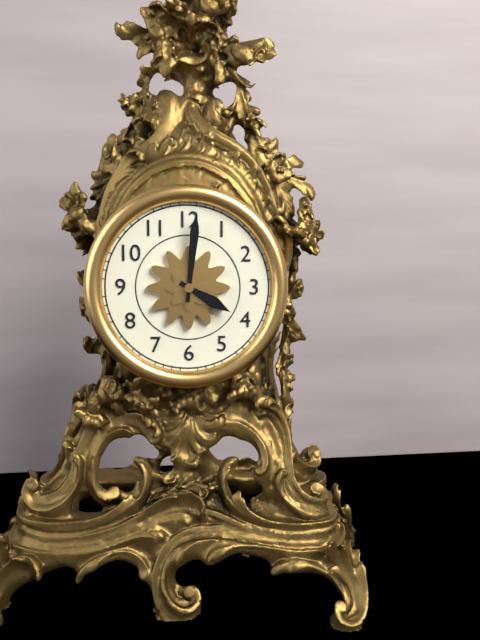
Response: **4:01**
